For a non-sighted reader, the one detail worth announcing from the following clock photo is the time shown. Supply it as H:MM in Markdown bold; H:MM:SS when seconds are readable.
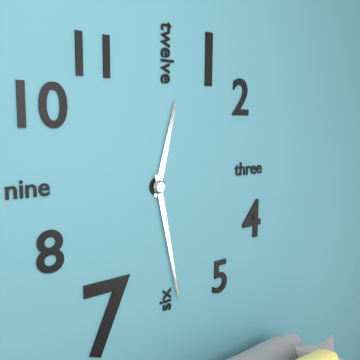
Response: **12:28**
